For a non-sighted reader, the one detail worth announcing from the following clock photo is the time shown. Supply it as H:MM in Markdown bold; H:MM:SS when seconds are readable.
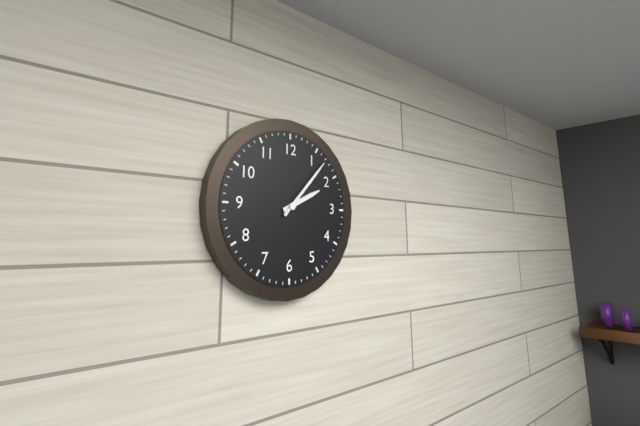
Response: **2:07**
